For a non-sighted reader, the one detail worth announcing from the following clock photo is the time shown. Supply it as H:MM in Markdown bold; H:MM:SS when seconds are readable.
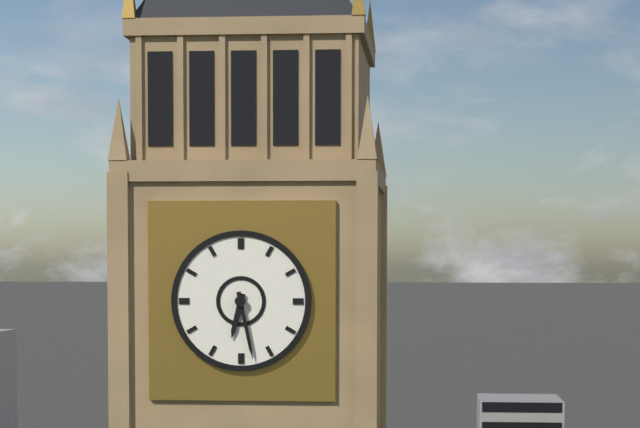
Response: **6:28**
